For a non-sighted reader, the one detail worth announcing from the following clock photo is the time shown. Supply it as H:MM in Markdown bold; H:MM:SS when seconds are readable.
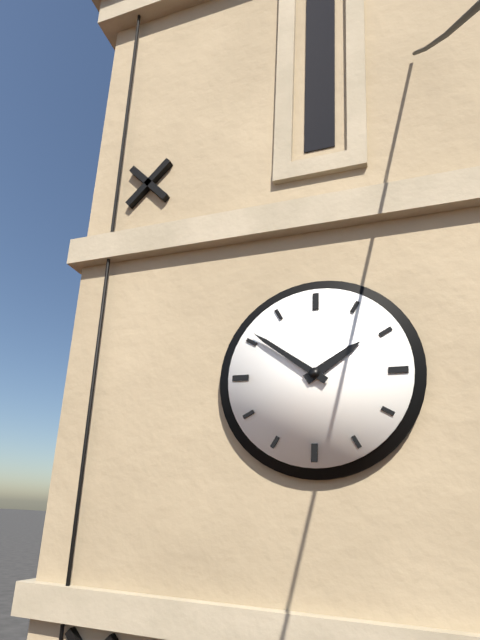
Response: **1:51**
